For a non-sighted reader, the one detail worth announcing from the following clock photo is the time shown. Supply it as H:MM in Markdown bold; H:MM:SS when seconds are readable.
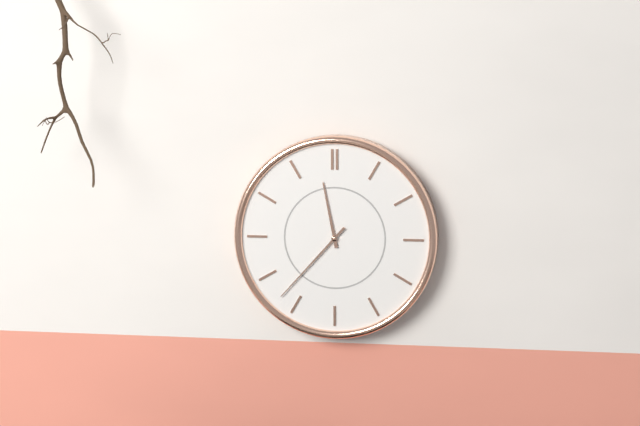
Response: **11:37**
